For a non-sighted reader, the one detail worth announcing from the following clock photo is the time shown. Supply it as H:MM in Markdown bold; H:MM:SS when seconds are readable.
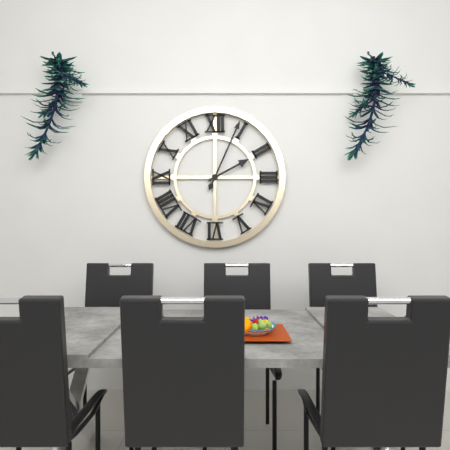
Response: **2:04**
